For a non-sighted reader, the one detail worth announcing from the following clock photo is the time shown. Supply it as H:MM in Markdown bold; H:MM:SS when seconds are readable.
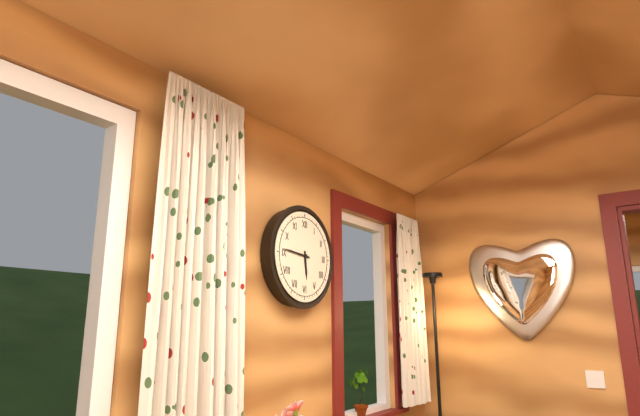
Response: **5:46**
